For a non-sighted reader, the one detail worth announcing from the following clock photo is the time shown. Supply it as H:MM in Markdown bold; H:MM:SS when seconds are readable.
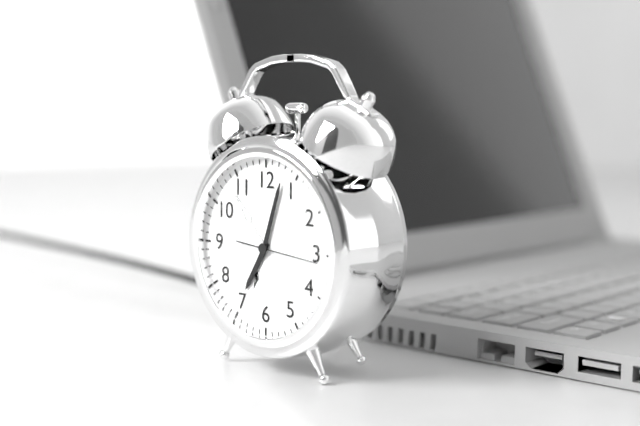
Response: **7:03:16**
